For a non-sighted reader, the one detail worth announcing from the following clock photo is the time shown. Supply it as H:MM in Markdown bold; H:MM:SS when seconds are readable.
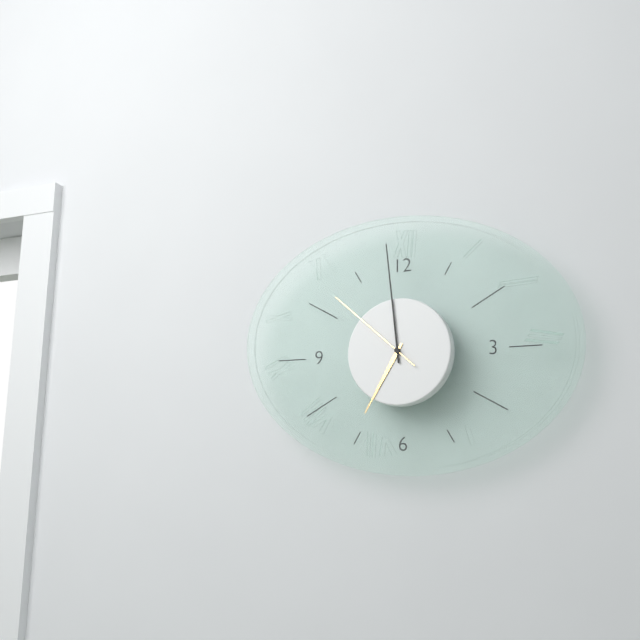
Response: **6:59:52**
